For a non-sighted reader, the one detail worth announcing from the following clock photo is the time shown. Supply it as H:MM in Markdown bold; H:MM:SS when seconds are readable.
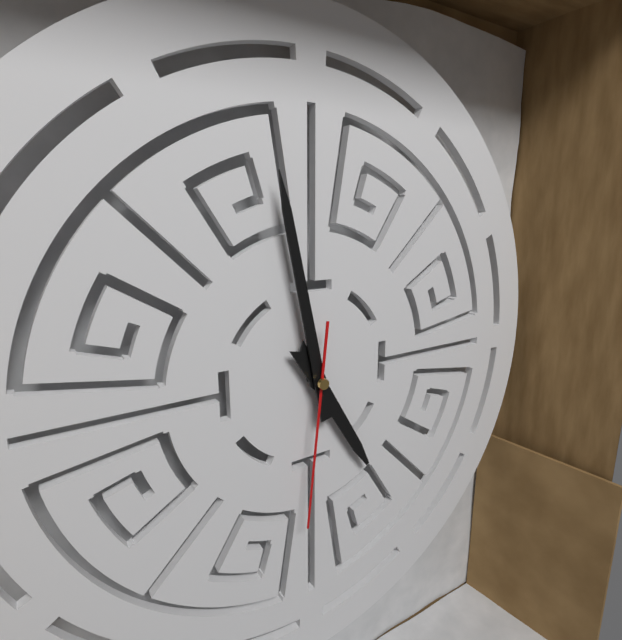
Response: **4:58:31**
